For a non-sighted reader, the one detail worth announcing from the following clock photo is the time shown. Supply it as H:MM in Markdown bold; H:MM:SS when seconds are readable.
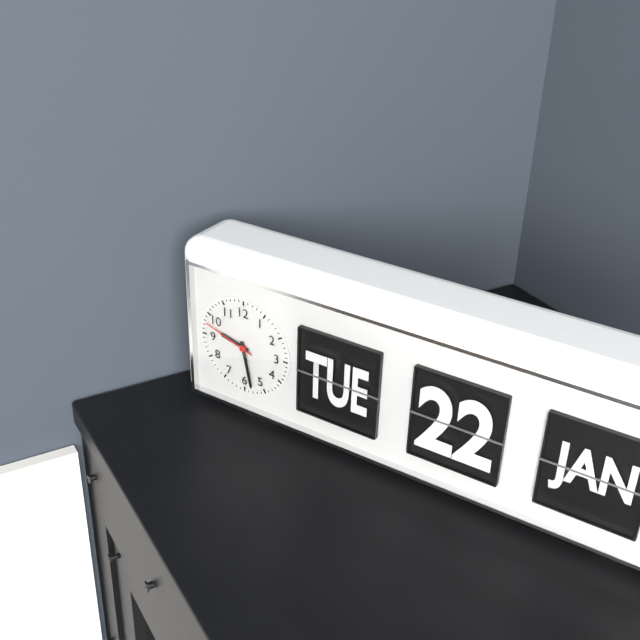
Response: **9:28:48**
